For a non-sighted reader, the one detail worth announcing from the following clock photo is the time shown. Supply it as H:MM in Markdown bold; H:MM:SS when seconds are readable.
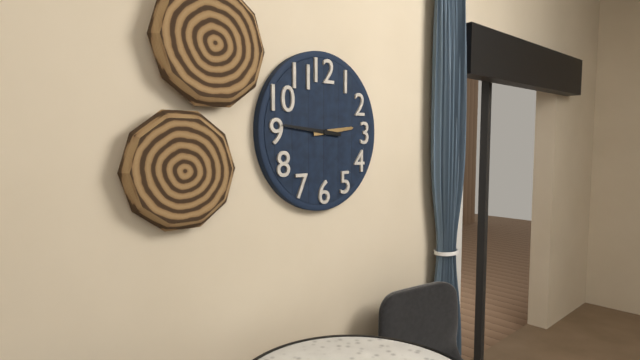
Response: **2:46**
